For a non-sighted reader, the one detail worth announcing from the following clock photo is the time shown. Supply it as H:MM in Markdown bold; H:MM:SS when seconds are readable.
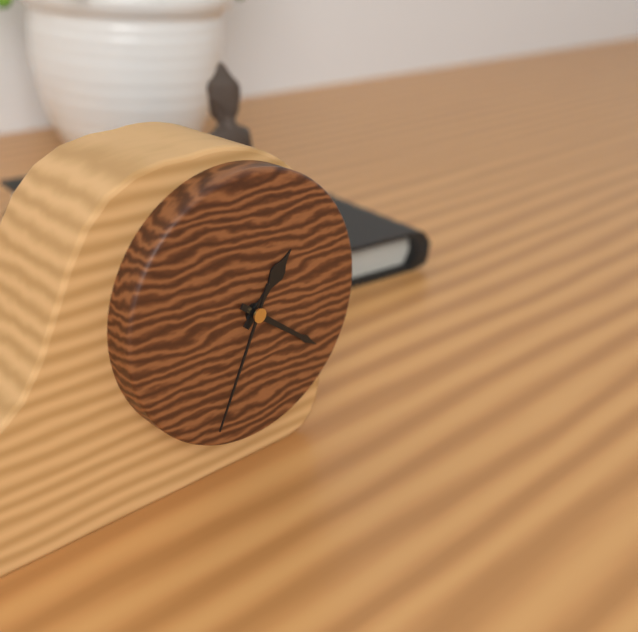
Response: **1:21:34**
